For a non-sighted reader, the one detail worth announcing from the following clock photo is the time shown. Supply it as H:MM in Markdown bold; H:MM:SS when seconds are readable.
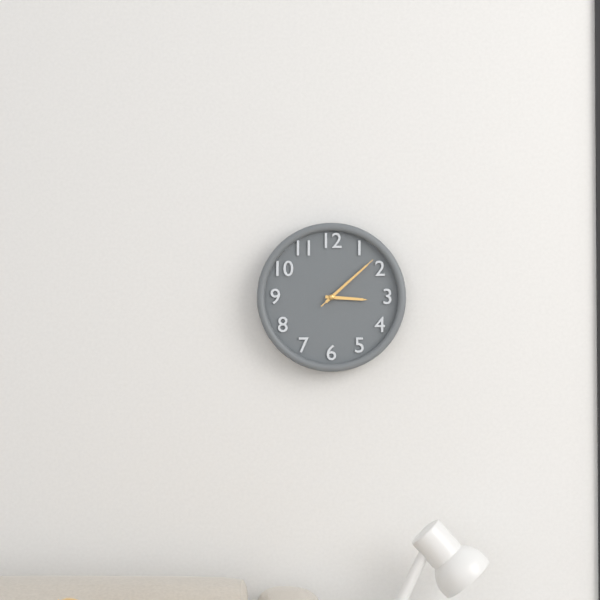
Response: **3:08:08**
